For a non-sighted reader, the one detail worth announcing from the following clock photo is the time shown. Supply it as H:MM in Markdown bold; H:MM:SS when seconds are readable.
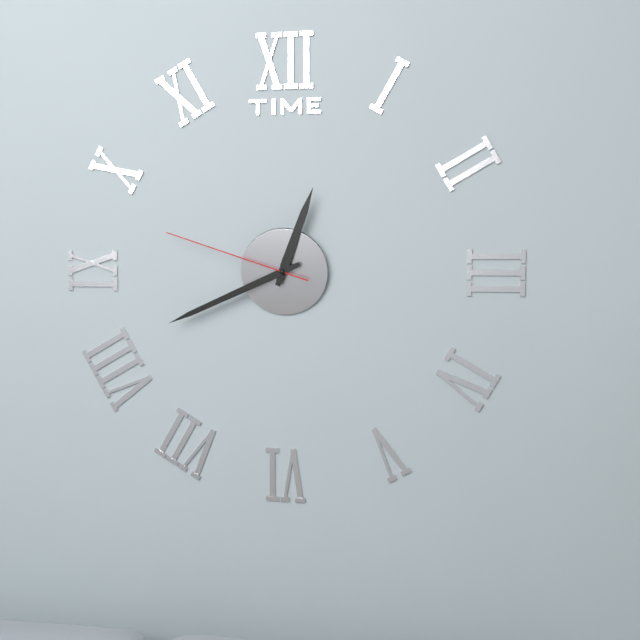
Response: **12:41:48**
